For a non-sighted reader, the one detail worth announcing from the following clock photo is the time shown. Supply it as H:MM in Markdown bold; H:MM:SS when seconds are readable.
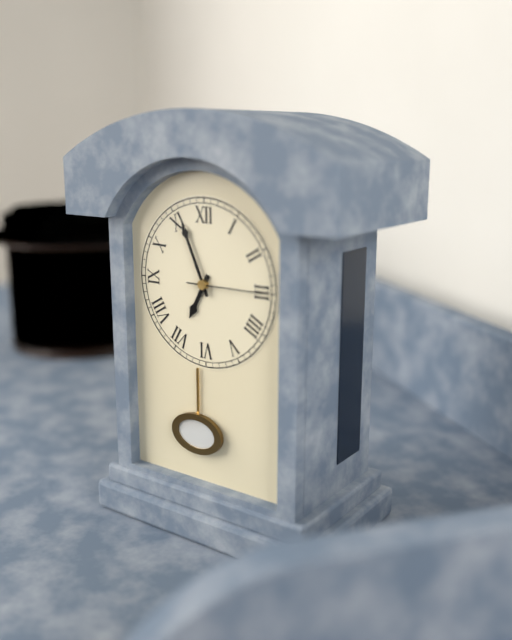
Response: **6:56**
